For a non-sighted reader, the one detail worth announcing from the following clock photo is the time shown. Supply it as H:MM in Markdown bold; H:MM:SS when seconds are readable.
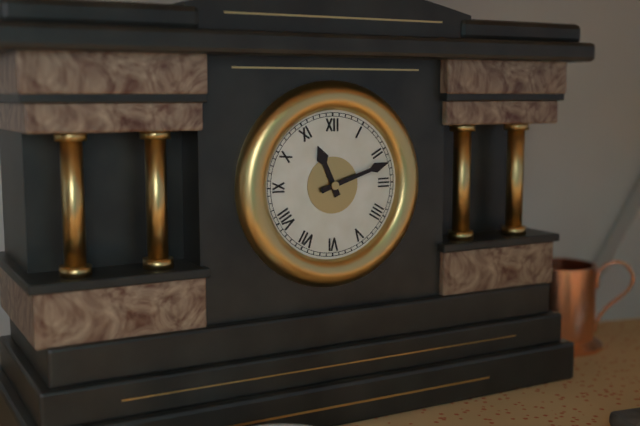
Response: **11:12**
